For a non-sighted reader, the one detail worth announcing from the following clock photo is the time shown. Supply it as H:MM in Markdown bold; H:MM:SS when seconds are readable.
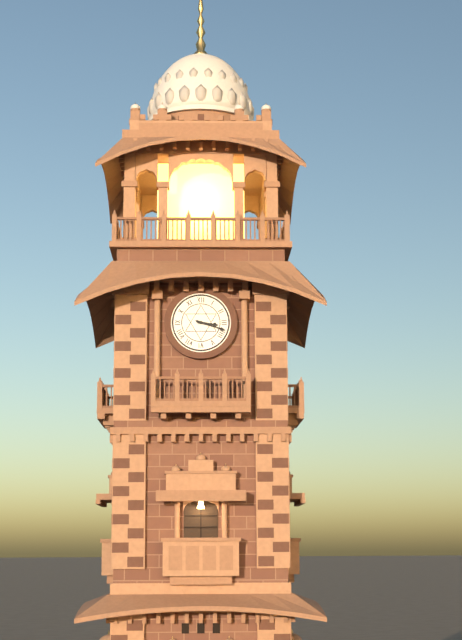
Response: **3:18**
